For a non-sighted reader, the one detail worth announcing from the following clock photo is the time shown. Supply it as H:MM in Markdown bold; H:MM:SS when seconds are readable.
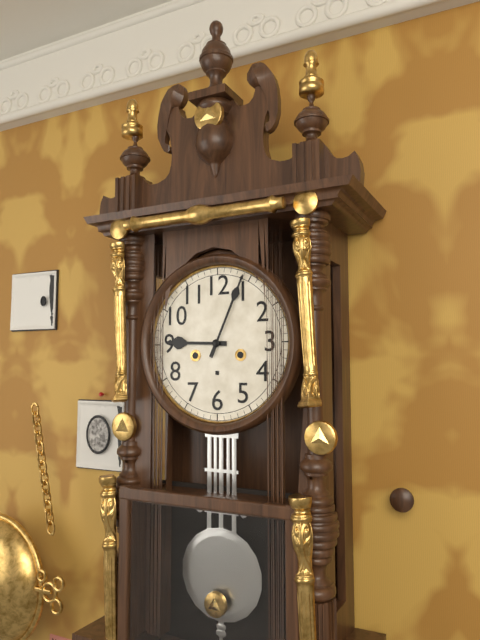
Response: **9:04**
